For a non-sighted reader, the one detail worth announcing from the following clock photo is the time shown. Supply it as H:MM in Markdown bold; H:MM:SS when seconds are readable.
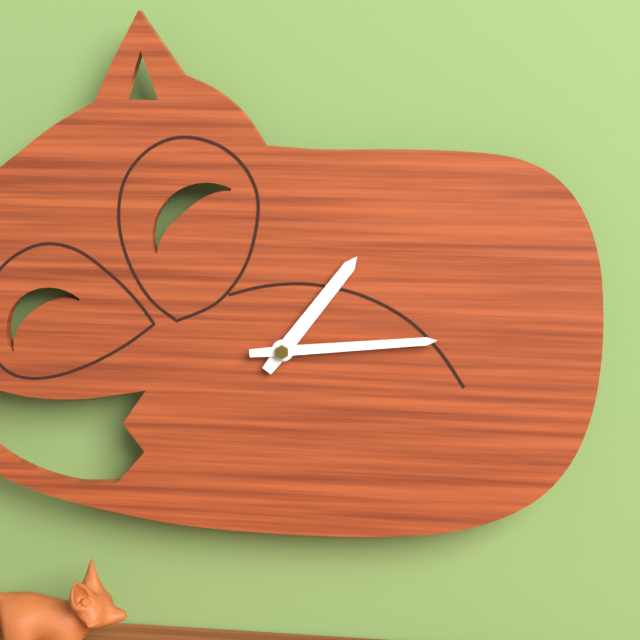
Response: **1:14**
